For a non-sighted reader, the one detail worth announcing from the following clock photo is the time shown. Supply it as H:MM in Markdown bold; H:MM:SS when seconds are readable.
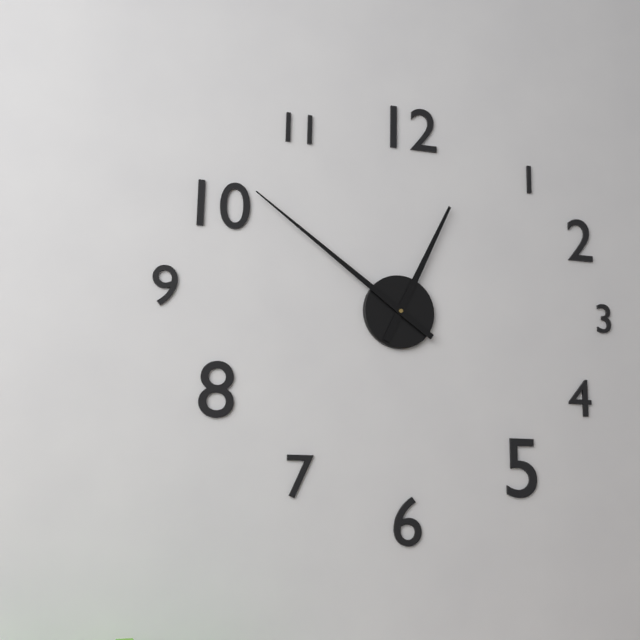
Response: **12:51**
